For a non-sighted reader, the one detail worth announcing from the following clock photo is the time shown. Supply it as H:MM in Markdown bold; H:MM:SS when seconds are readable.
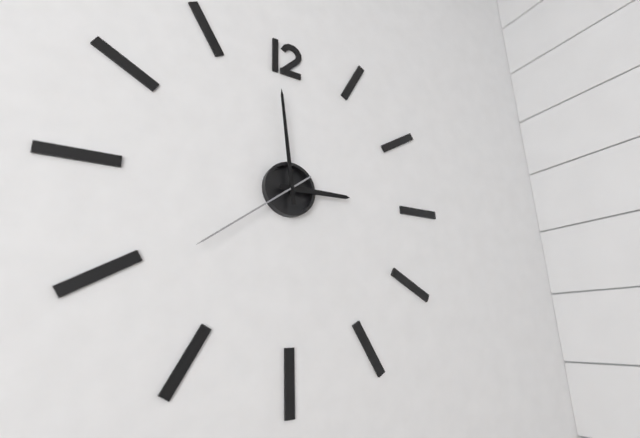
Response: **2:59:39**
